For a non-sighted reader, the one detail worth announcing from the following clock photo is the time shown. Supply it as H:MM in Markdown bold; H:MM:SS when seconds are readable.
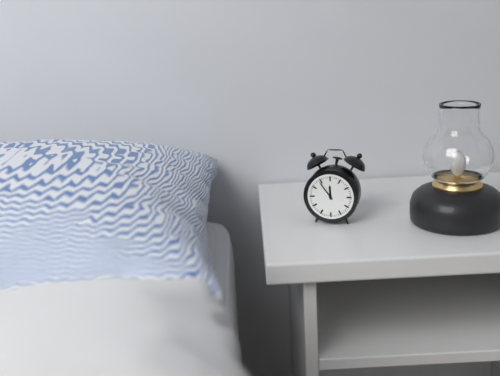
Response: **11:54**
